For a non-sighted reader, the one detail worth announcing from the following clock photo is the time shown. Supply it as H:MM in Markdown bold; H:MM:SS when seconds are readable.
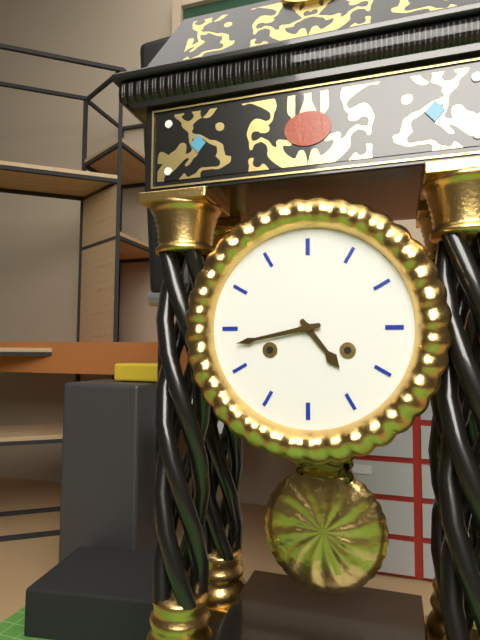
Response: **4:43**
